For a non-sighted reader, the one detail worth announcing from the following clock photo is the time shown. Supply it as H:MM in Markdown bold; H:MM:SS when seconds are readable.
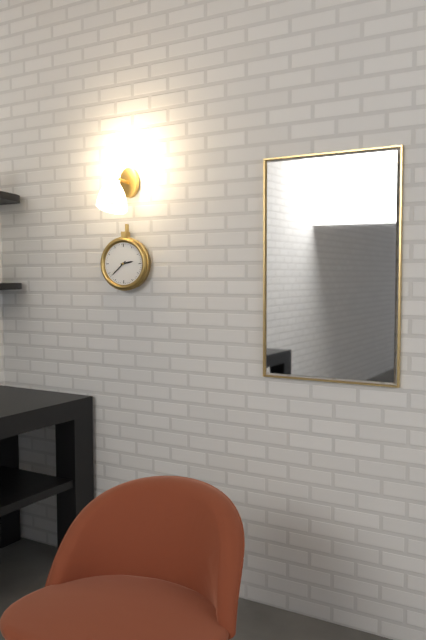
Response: **2:38**
